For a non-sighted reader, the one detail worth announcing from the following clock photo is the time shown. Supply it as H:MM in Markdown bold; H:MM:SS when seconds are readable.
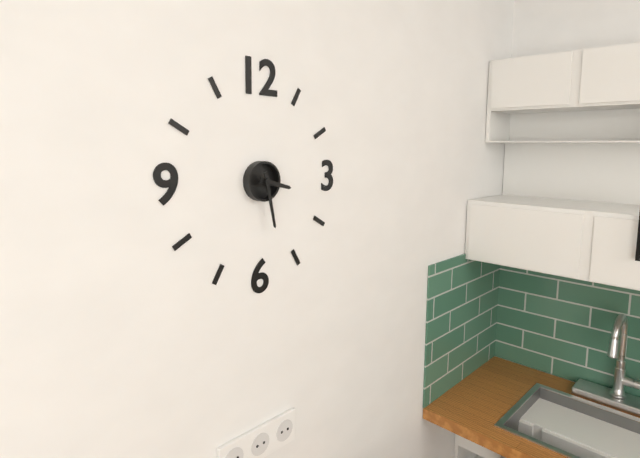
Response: **3:28**
